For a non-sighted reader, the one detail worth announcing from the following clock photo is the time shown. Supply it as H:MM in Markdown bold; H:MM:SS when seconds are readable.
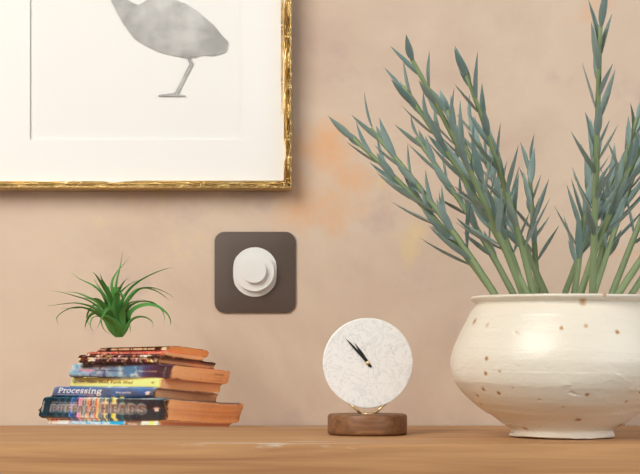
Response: **10:53**
